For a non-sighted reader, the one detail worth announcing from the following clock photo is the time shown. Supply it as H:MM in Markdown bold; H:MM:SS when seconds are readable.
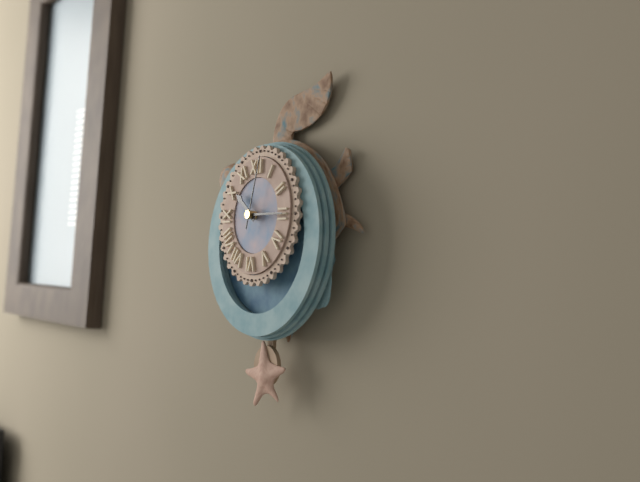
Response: **10:15:02**
